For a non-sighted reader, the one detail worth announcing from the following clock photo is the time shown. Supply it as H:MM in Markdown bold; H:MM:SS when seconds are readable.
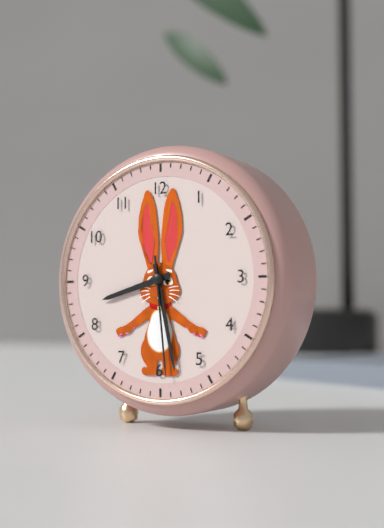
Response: **8:28:29**
